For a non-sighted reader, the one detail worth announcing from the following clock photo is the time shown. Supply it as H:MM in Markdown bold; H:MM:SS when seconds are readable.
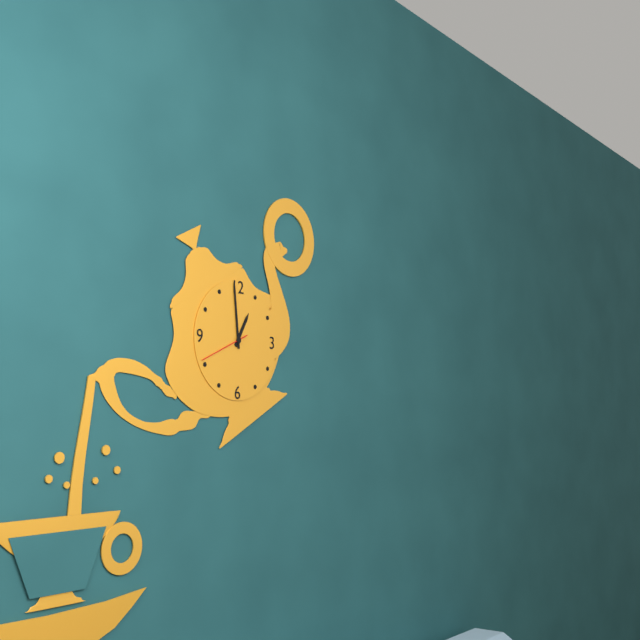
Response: **12:59:41**
